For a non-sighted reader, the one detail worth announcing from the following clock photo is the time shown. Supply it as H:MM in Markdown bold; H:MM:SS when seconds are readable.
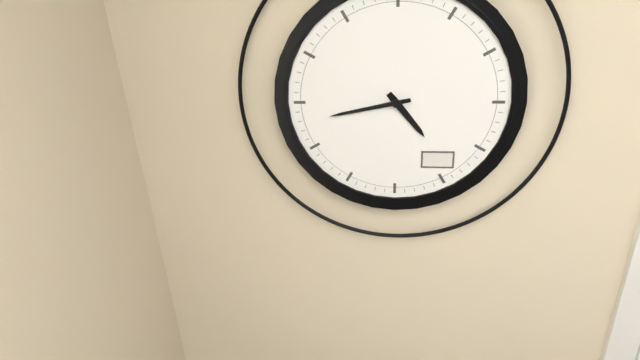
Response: **4:43**
